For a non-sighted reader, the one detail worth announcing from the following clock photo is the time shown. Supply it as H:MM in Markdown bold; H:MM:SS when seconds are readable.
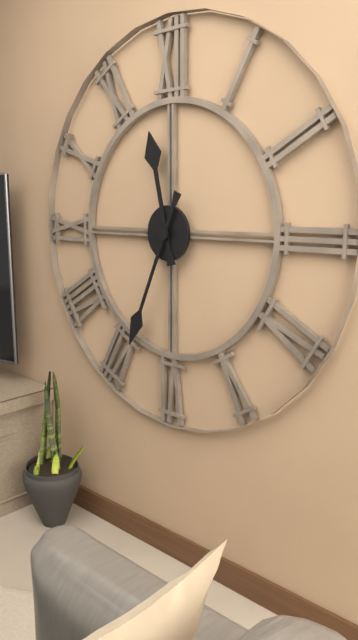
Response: **11:34**
